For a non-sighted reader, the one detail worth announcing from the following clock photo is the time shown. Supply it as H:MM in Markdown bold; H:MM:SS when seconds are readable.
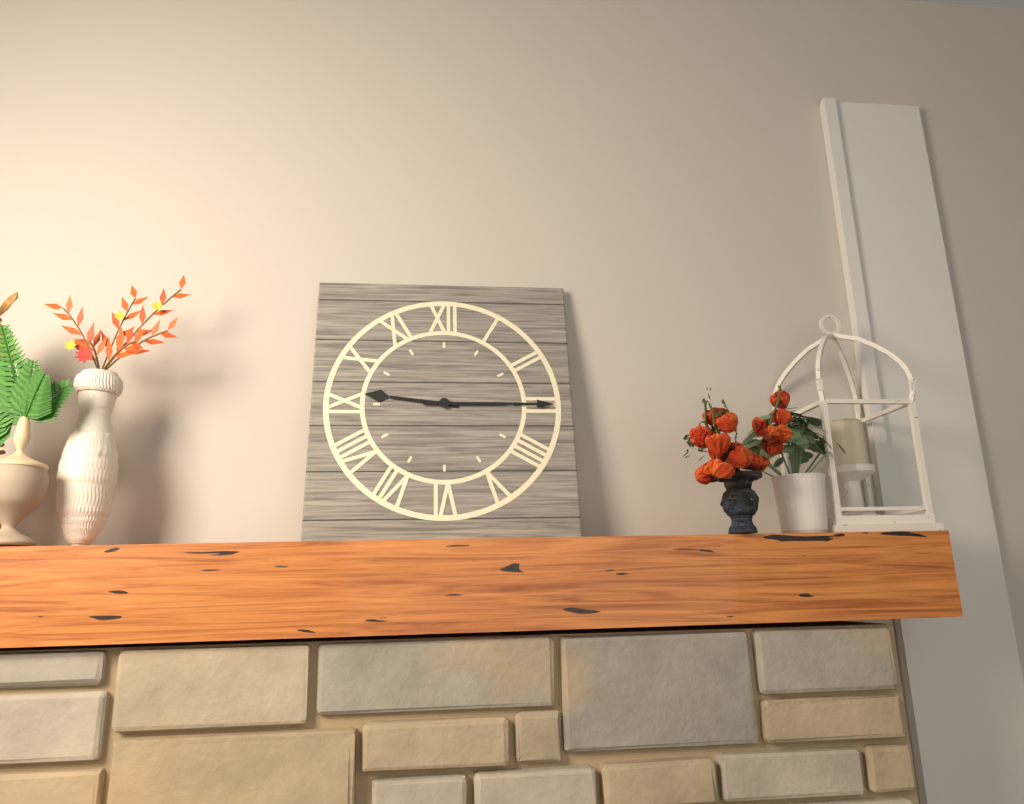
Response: **9:15**
